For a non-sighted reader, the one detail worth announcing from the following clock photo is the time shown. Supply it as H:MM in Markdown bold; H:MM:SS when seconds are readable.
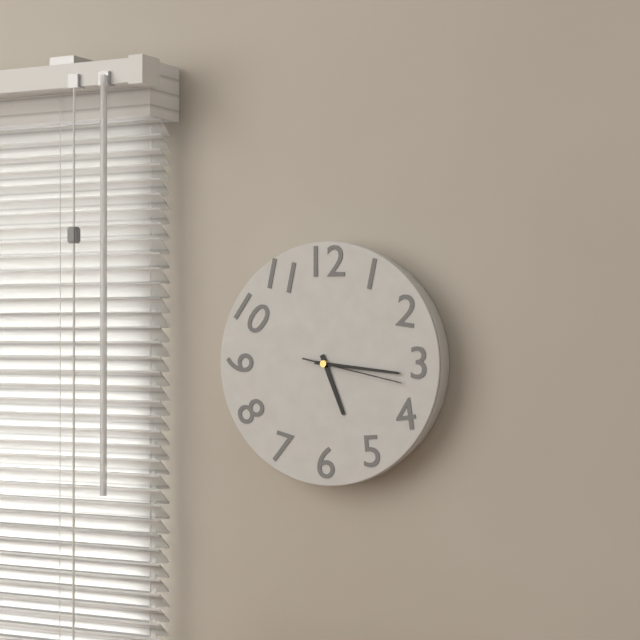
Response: **5:16:17**
